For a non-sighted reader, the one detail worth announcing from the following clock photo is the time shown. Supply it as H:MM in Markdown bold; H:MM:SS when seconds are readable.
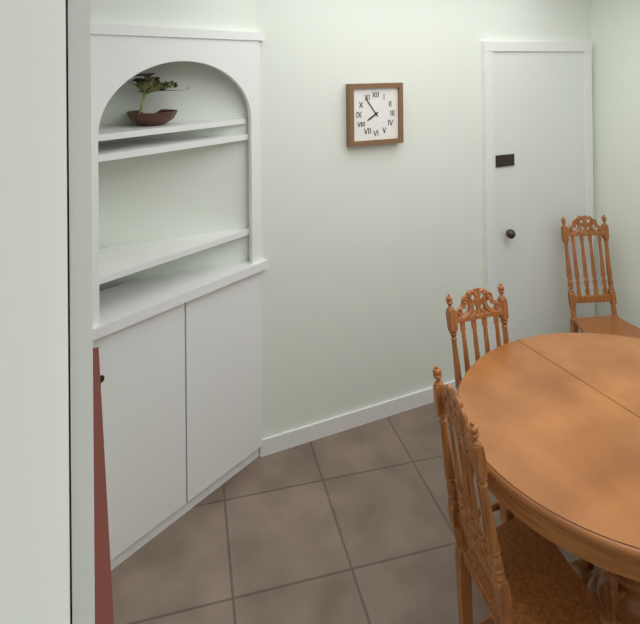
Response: **7:54**
